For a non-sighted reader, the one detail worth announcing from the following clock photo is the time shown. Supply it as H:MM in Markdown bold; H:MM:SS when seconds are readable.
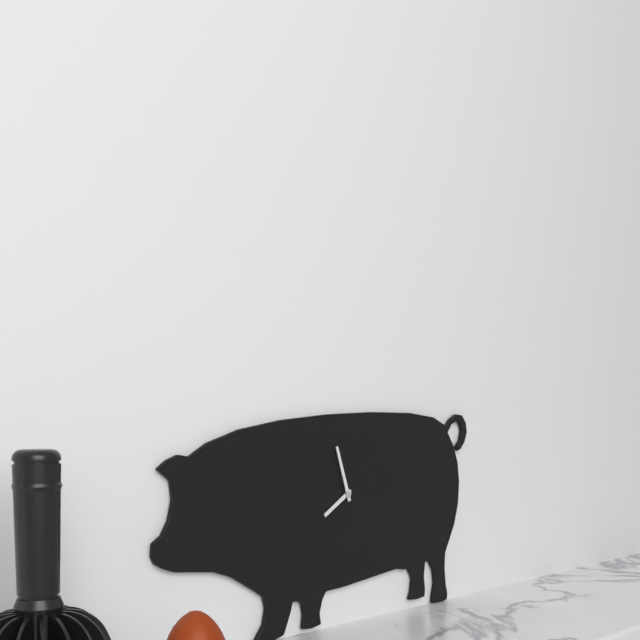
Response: **7:57**
